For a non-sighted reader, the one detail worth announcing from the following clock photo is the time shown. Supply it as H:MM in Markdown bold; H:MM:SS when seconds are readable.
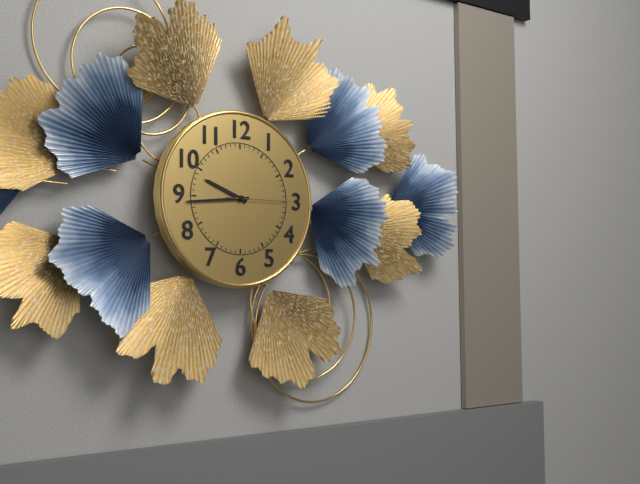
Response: **9:44:15**
